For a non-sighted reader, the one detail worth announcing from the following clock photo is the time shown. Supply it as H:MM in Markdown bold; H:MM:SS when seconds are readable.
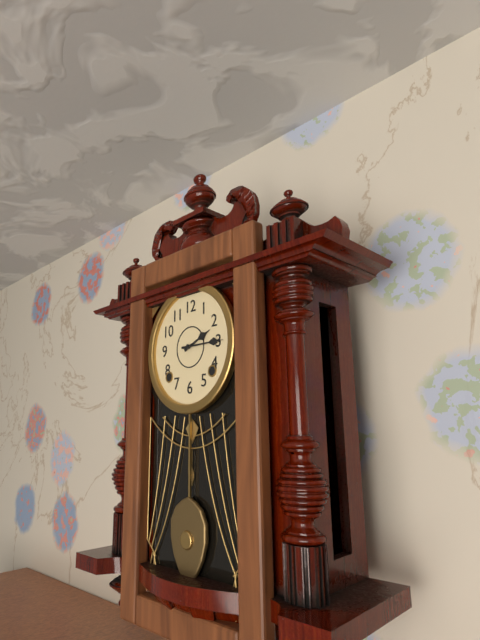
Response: **2:15**
